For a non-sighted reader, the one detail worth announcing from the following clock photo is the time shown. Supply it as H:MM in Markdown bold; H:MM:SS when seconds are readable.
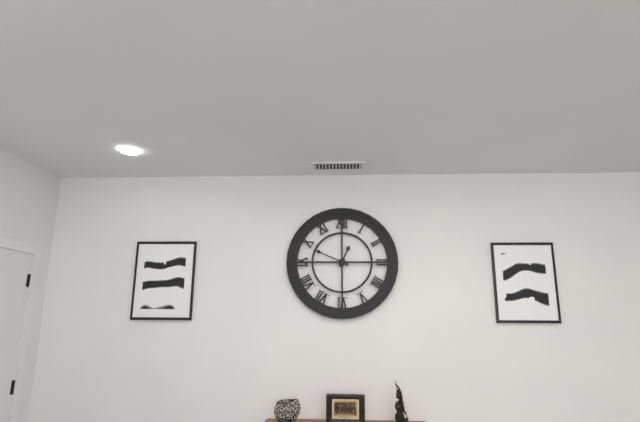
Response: **12:49**
